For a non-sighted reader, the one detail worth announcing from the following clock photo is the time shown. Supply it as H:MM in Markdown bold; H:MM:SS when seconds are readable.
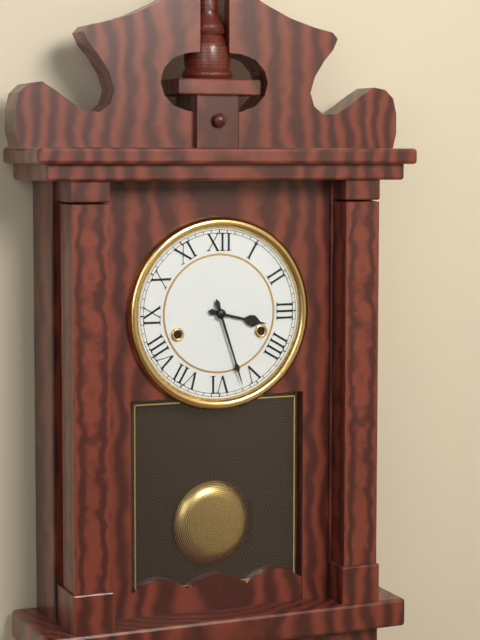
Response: **3:27**
